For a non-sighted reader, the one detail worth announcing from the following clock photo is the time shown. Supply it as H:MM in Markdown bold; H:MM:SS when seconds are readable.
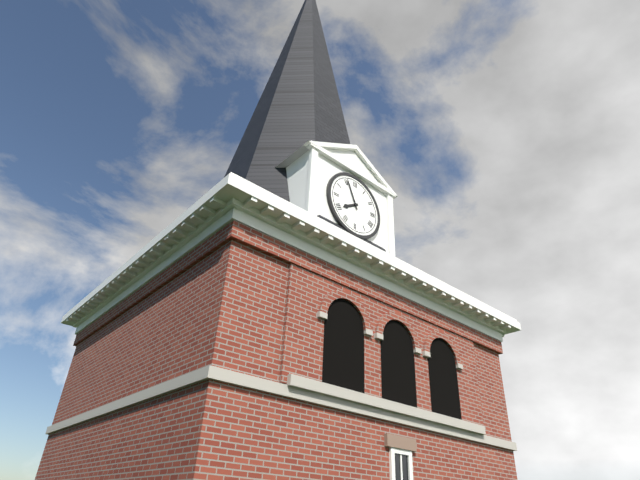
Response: **7:56**
